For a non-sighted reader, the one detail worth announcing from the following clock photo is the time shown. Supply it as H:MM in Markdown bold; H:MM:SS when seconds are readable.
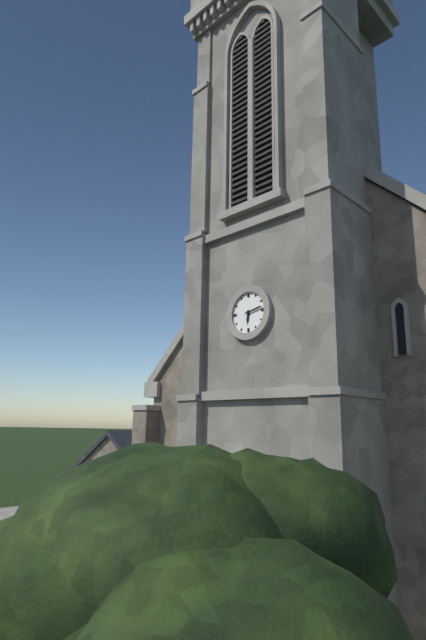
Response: **6:13**
